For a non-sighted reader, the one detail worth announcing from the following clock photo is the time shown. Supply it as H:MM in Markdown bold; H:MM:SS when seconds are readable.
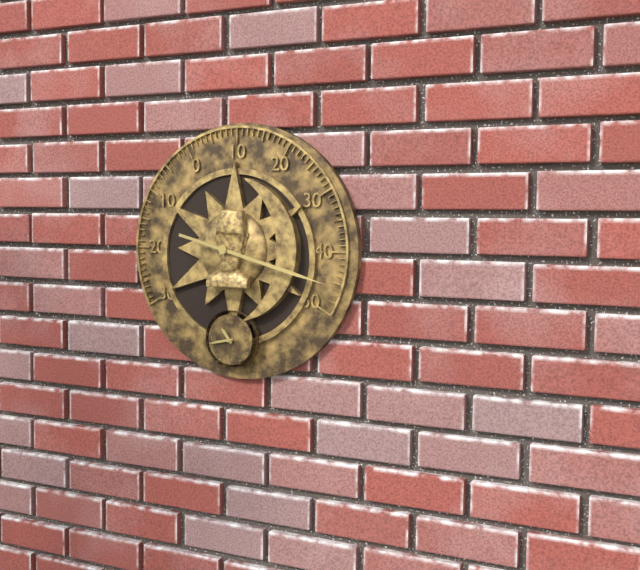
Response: **10:43**
